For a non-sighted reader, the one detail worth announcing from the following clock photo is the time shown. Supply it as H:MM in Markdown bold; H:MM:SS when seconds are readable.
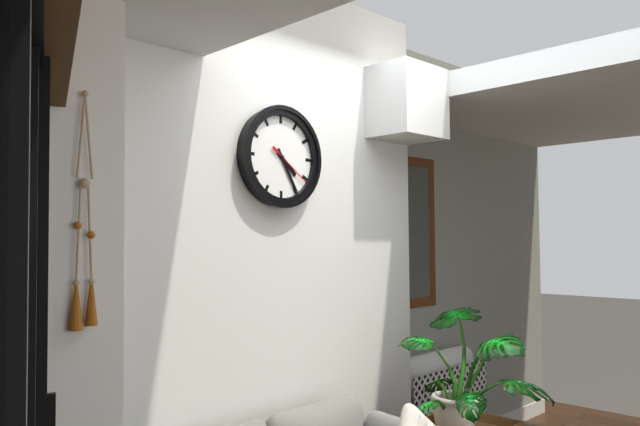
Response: **4:25**
